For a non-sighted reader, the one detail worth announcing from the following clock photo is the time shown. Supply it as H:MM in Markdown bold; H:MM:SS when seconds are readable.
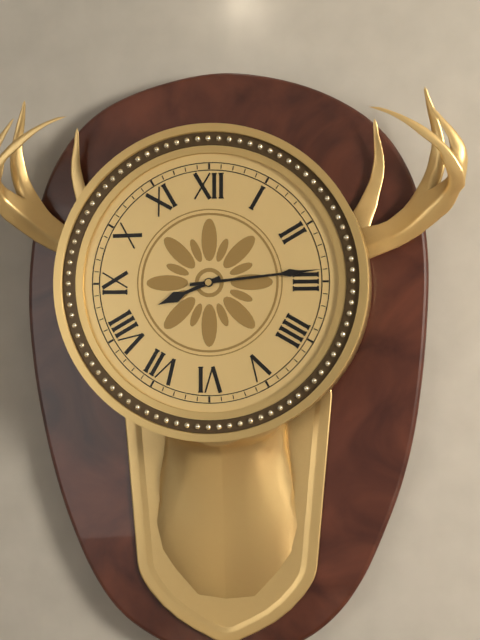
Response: **8:14**
